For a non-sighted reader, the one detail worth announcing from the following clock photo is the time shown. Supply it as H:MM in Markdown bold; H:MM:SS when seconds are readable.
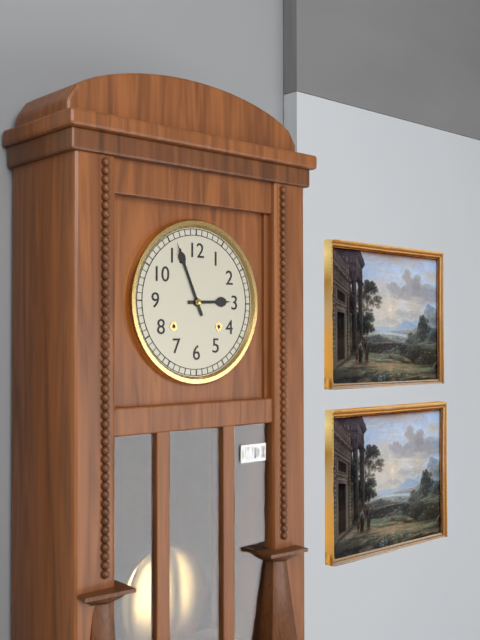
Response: **2:56**
